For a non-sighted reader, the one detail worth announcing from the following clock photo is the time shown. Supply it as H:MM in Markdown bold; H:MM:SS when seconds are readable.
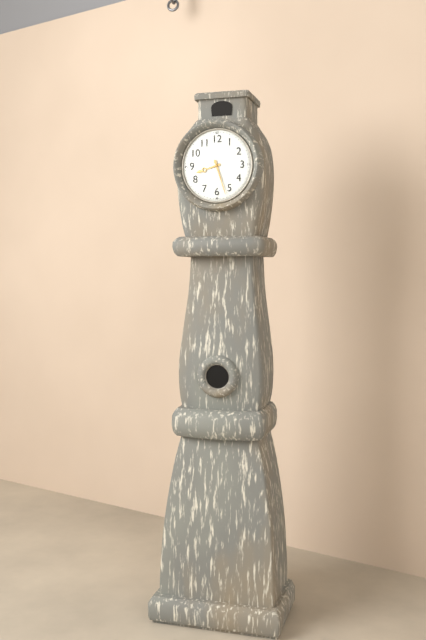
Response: **8:27**
